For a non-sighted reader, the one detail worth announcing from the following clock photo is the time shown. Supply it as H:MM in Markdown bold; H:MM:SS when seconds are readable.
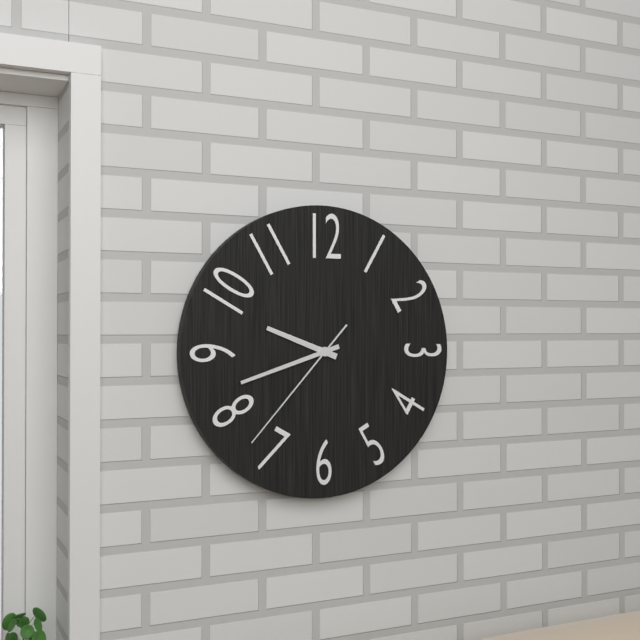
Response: **9:42:37**
